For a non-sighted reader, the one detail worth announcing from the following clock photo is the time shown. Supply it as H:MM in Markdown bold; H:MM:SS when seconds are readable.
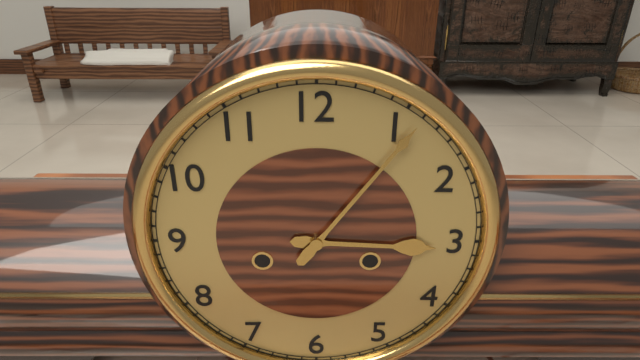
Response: **3:06**
